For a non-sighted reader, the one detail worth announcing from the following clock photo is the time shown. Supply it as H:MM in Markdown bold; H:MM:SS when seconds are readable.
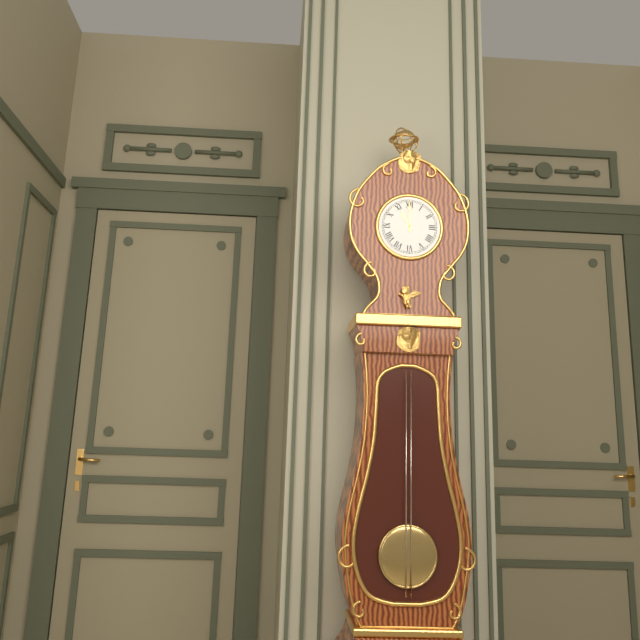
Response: **11:00**
